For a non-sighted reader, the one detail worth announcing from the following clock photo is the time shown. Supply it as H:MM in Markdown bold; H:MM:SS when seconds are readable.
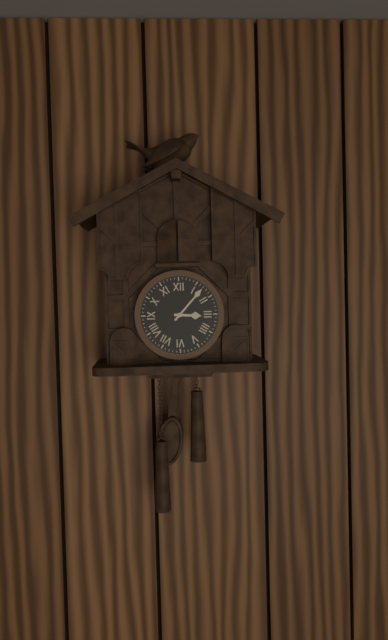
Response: **3:07**
